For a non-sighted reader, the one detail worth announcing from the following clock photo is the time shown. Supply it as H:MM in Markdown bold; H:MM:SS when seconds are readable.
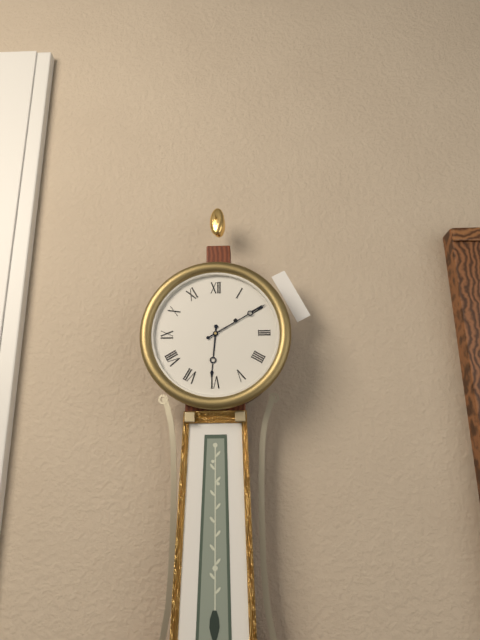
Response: **6:10**
